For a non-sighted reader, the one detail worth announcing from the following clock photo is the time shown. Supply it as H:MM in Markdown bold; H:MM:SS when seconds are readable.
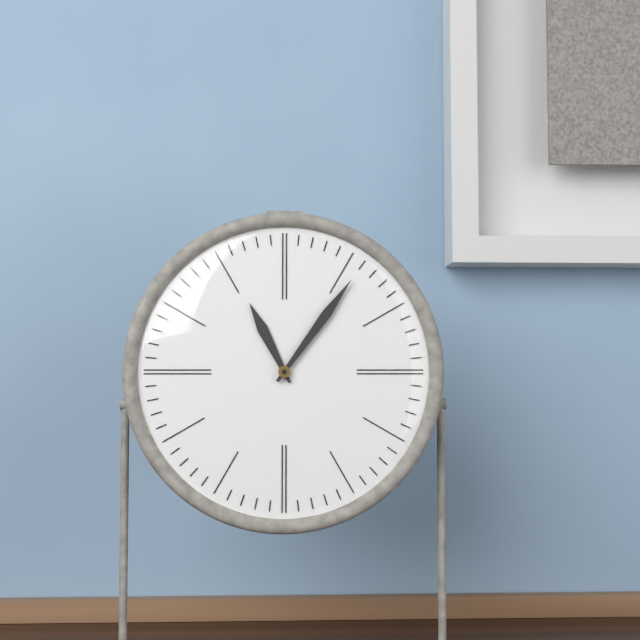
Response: **11:06**
